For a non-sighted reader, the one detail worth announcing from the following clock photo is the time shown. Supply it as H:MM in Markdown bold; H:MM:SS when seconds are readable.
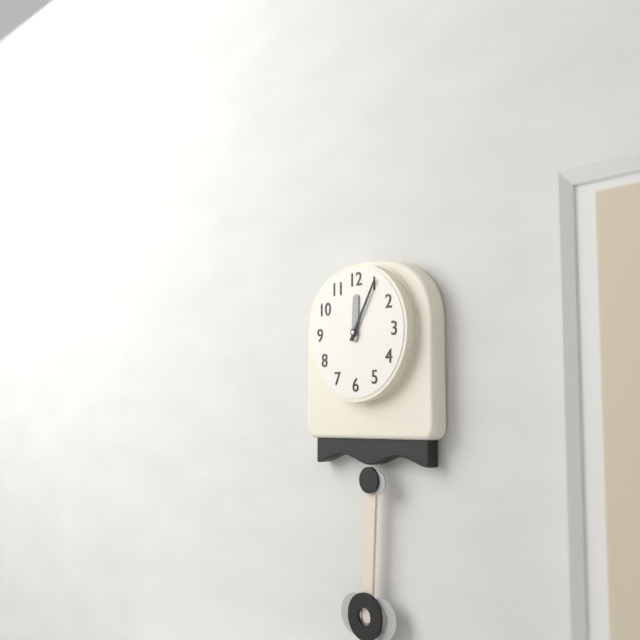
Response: **12:05**
